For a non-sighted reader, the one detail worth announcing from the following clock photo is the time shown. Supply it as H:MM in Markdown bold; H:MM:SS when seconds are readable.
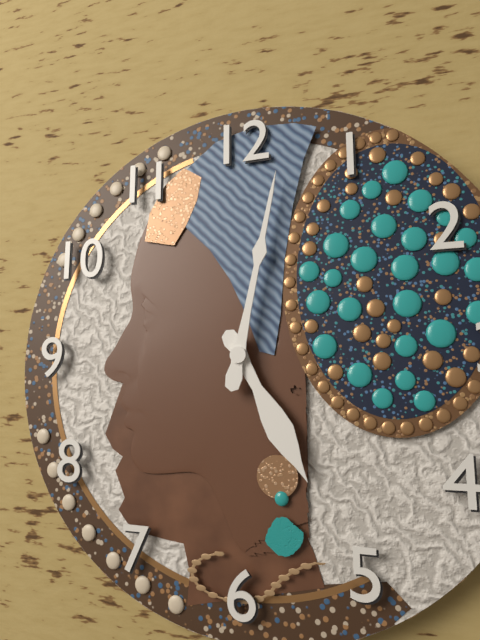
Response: **5:02**
